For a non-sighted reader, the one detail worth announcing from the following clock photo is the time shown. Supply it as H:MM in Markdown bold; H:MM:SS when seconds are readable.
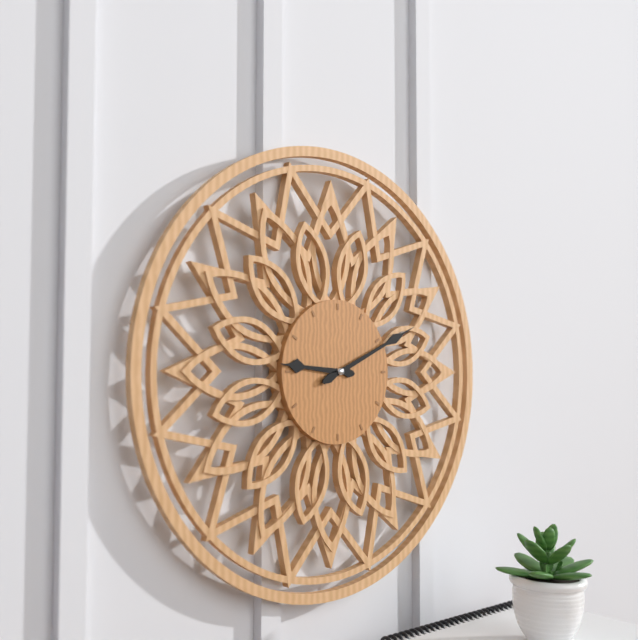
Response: **9:11**
